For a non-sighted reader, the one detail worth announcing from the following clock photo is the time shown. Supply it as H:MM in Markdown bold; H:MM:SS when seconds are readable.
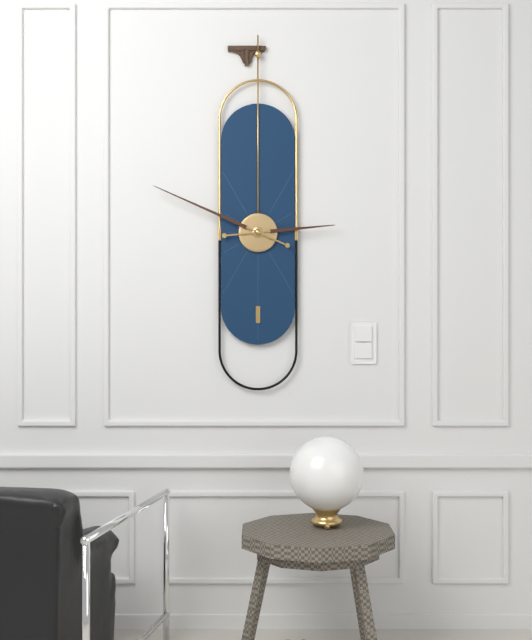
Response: **2:49**
